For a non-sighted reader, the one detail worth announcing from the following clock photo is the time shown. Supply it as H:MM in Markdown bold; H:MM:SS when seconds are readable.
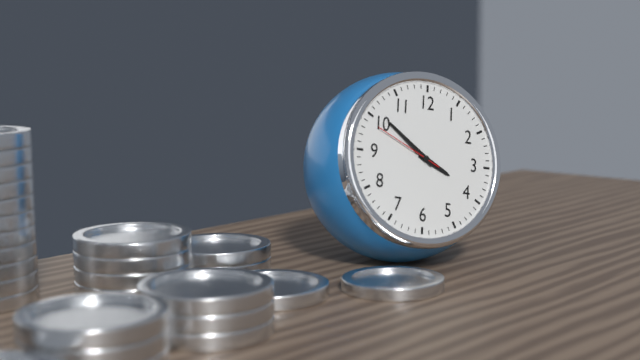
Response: **3:51:49**
